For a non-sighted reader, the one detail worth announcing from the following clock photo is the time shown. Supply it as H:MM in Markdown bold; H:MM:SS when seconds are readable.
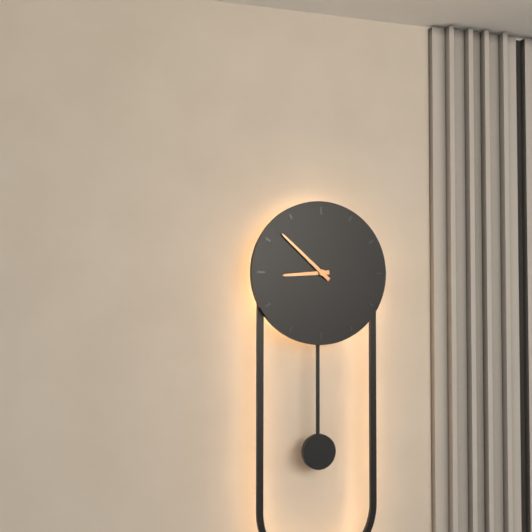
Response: **8:52**
